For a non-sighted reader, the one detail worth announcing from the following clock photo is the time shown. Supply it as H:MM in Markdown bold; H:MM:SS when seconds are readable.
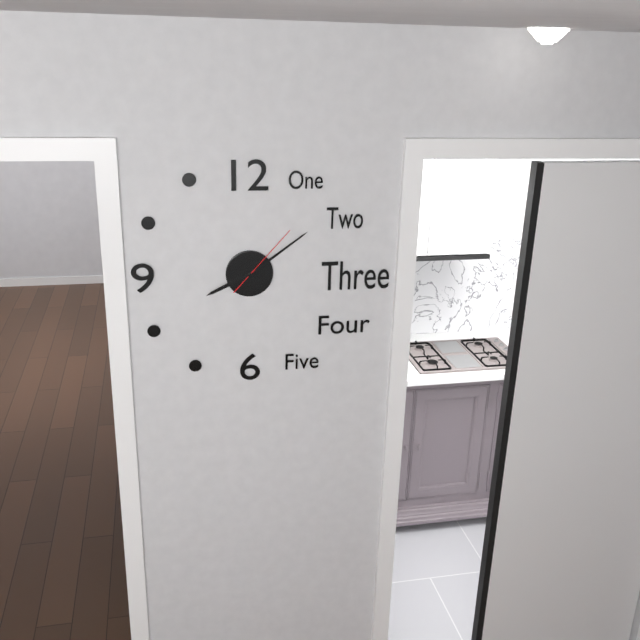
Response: **8:09:07**
